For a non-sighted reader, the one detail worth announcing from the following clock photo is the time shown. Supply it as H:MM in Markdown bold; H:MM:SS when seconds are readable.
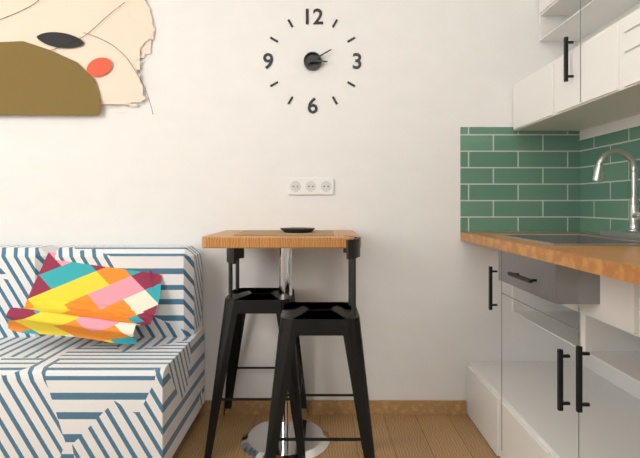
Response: **3:10**
